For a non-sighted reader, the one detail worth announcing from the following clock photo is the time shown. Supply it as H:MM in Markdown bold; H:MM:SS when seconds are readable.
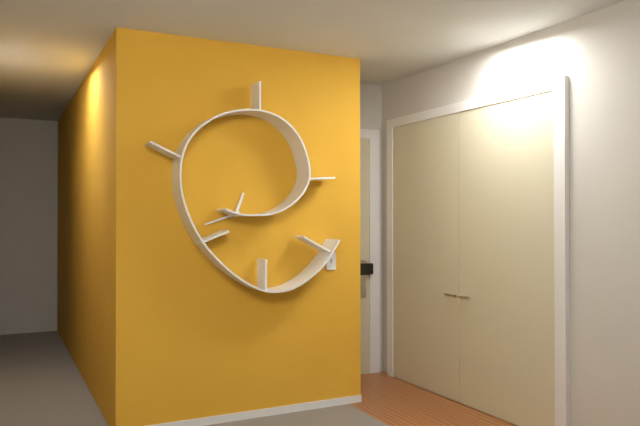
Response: **12:42**
